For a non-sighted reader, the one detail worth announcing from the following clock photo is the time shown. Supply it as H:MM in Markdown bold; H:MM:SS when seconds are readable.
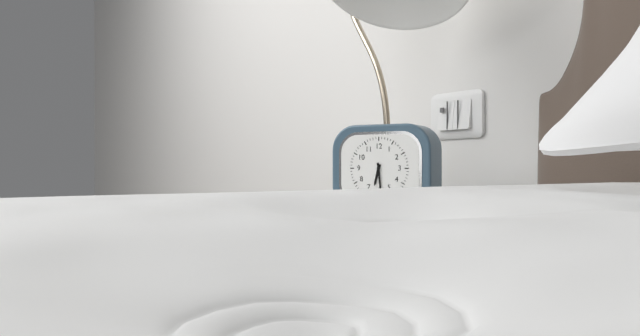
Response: **6:29**
